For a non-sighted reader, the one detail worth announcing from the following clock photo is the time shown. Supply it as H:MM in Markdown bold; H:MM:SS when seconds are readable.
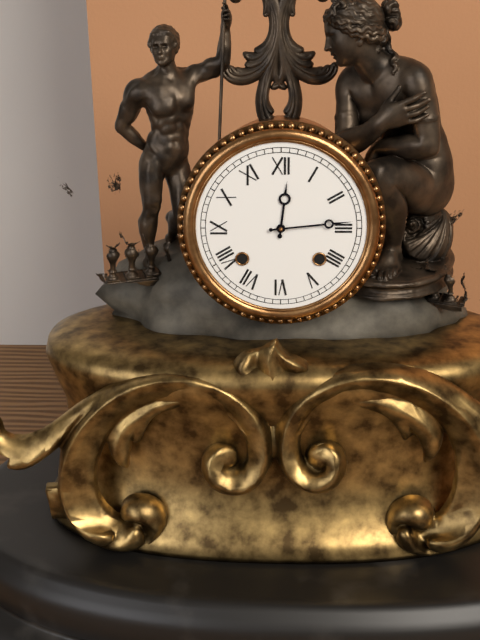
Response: **12:14**
